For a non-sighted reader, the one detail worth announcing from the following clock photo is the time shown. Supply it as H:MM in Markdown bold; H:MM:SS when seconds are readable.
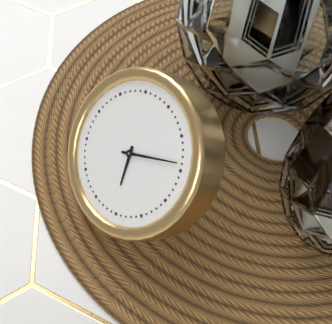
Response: **5:09**
